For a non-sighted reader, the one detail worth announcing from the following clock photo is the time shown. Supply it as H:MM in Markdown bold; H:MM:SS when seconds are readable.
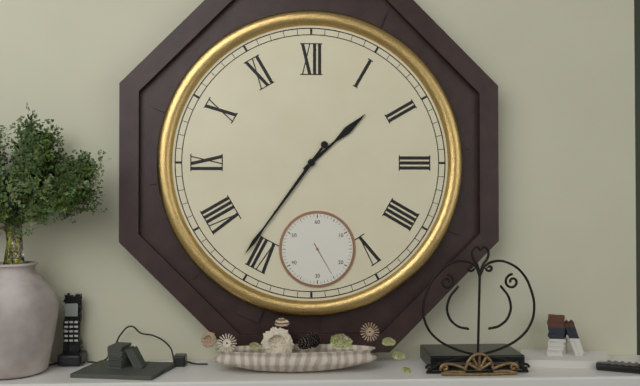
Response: **1:36**
